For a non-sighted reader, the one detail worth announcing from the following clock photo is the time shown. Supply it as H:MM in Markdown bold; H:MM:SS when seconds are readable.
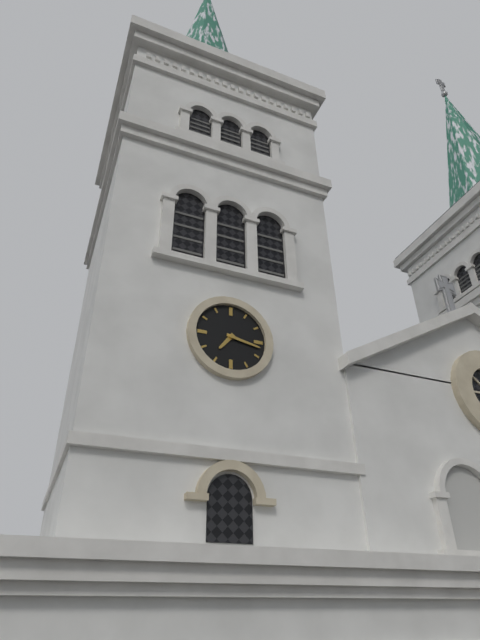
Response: **7:17**
